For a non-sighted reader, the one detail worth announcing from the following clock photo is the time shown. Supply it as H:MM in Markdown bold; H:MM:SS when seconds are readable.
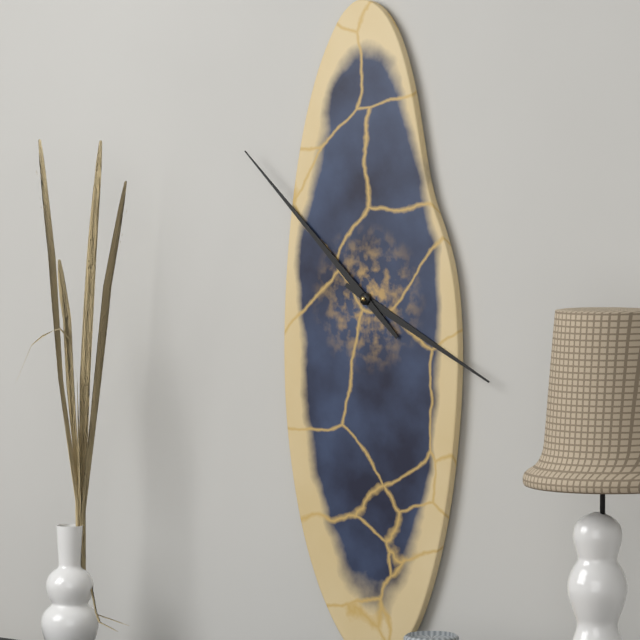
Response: **3:52**
